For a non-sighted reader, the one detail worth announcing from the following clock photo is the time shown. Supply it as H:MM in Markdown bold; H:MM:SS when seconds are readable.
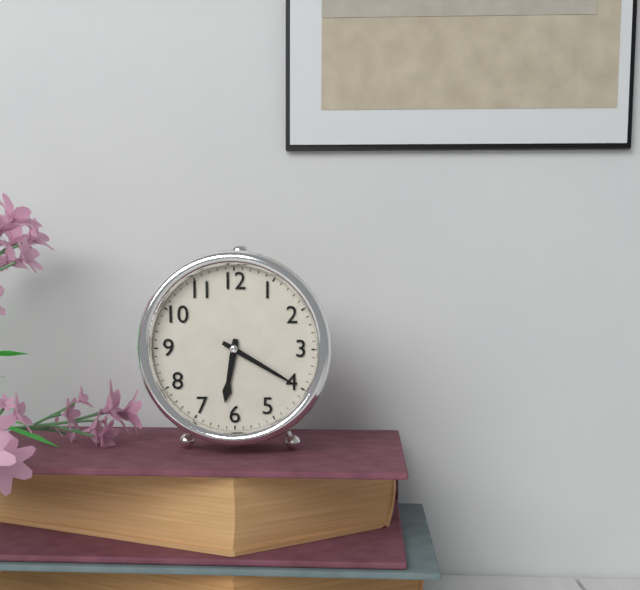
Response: **6:20**
